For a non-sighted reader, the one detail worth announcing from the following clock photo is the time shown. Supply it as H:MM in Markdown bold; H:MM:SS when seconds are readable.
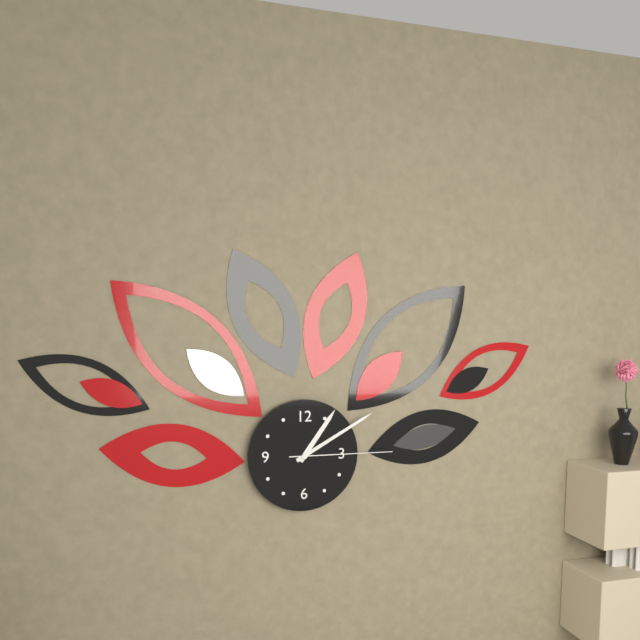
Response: **1:10:15**
